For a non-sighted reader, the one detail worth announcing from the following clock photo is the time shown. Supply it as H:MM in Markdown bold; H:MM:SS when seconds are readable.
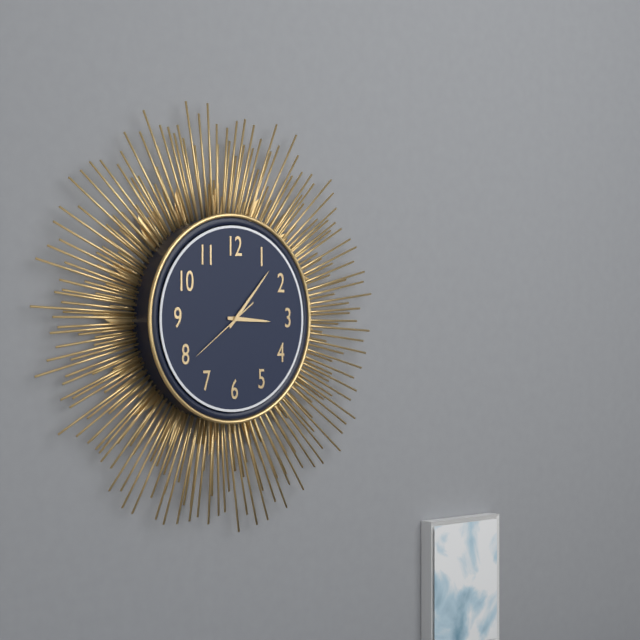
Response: **3:07:39**
